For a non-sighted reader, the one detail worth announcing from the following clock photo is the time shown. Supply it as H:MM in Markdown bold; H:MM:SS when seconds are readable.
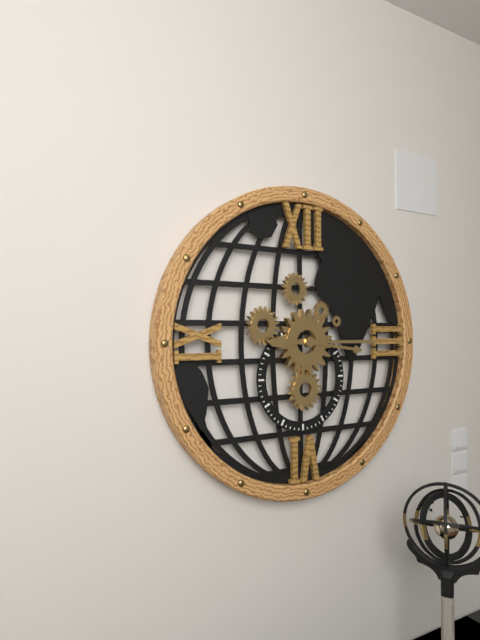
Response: **3:15**
